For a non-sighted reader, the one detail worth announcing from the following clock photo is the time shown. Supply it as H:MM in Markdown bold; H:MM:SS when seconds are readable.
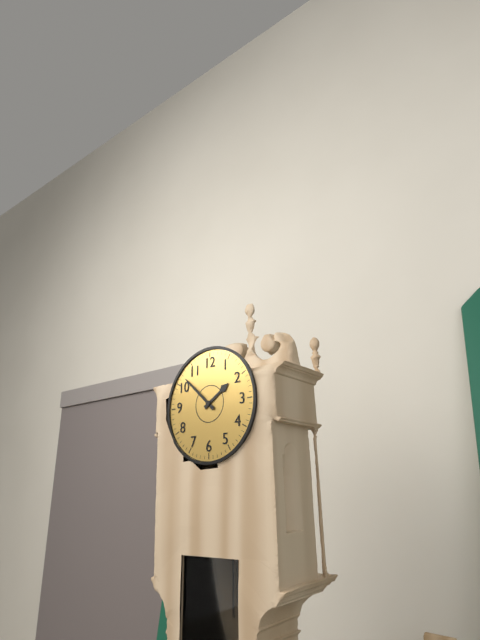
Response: **1:52**
